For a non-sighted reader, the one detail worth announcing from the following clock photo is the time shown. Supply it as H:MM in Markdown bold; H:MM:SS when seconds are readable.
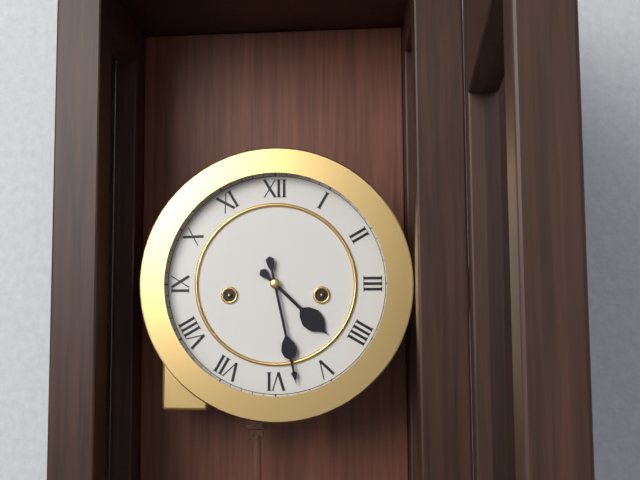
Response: **4:28**
